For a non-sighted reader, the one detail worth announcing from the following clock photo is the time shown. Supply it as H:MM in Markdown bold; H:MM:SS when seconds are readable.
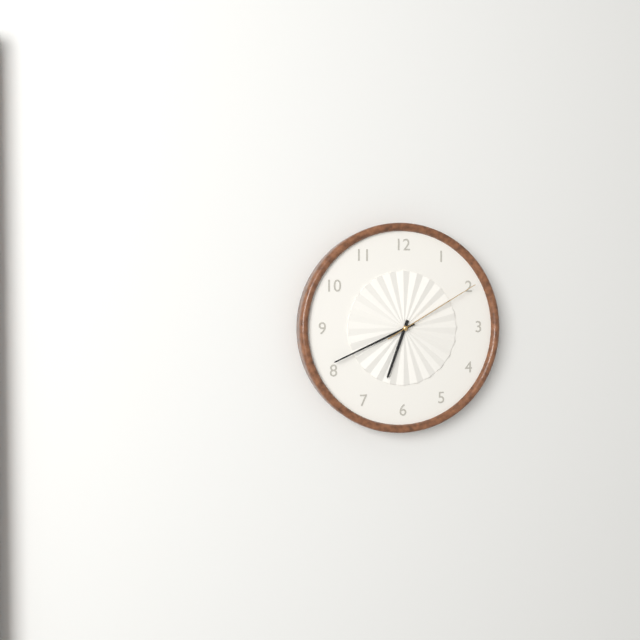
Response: **6:41:10**
